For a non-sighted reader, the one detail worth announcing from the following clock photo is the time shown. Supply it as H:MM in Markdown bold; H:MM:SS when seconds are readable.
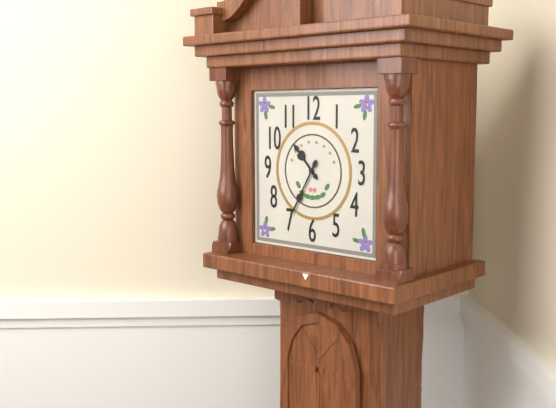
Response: **10:35**
